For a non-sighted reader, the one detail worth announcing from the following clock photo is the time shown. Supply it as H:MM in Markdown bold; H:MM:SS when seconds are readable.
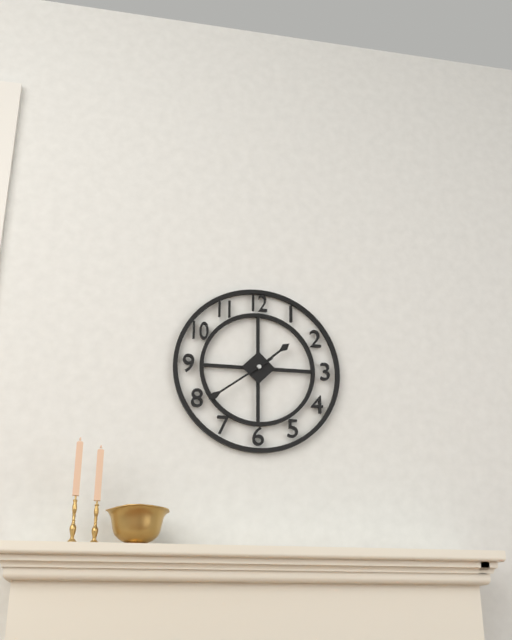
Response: **1:39**
